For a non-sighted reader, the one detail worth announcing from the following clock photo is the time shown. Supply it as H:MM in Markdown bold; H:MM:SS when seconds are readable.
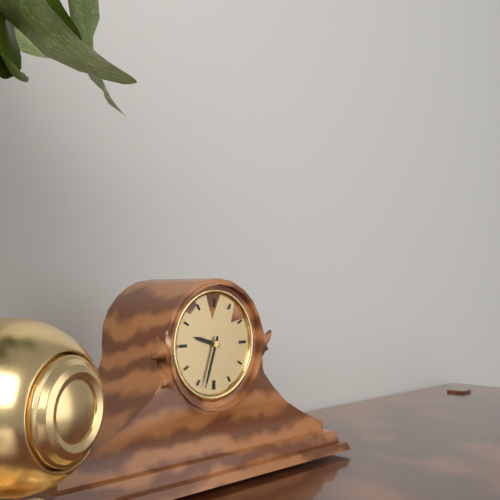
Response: **9:33**
